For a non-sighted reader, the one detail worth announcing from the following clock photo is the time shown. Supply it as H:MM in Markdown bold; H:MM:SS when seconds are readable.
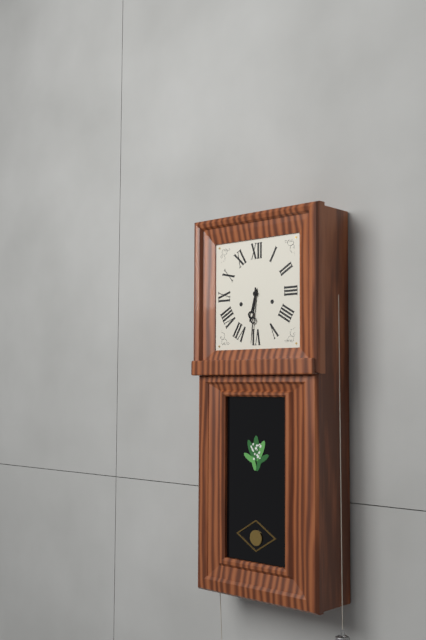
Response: **6:31**
